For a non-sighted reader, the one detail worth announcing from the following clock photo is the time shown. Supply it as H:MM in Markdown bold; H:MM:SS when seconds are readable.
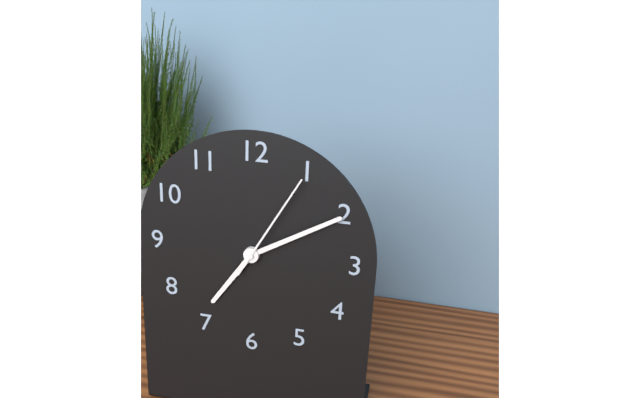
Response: **7:10:05**
